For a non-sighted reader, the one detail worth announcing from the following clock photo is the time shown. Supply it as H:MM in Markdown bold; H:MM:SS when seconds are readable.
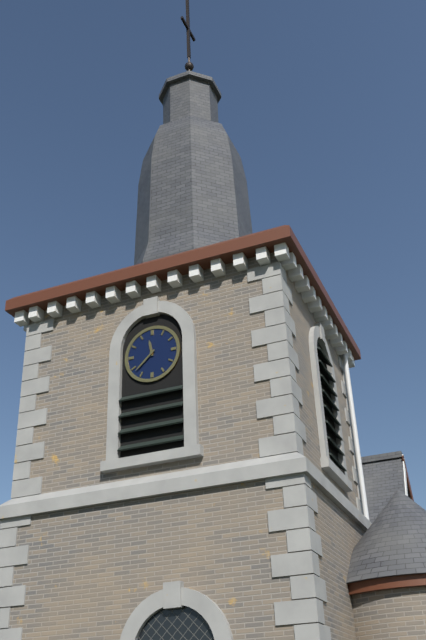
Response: **11:38**
